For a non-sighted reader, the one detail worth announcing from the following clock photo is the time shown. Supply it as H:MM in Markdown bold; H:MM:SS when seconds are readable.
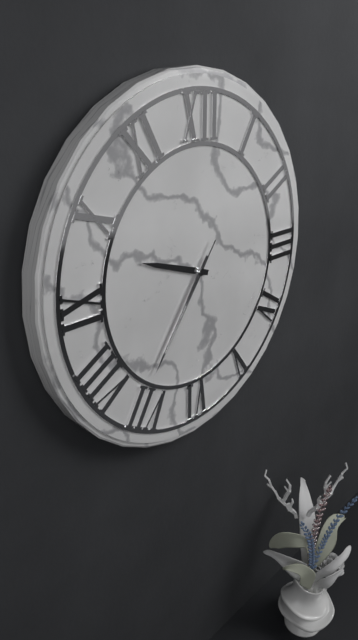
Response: **9:36:36**
